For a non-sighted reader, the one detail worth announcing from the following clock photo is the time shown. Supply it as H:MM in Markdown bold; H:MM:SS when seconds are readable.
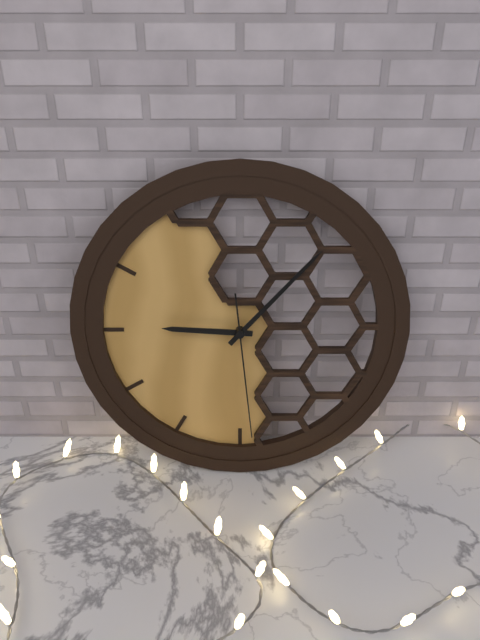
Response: **9:07:29**
